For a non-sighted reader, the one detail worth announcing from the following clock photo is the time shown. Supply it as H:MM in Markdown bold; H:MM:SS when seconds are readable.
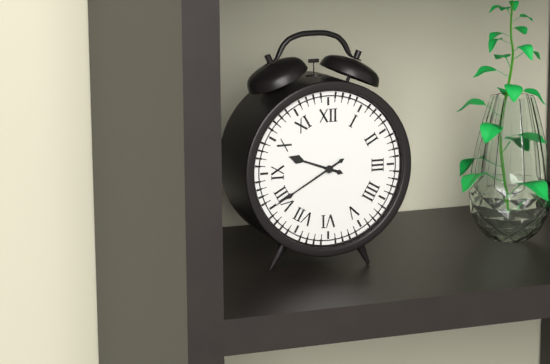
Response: **9:40**
